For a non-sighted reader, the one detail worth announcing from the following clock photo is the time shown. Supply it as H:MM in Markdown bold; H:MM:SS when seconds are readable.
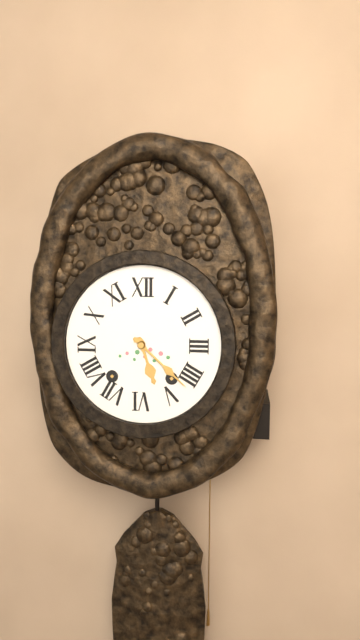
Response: **5:22**
